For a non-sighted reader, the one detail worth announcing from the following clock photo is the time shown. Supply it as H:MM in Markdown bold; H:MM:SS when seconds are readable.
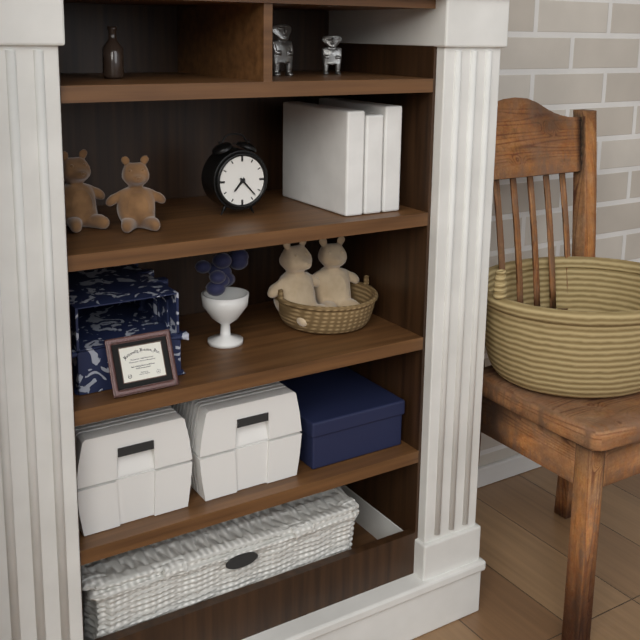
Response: **7:23**
